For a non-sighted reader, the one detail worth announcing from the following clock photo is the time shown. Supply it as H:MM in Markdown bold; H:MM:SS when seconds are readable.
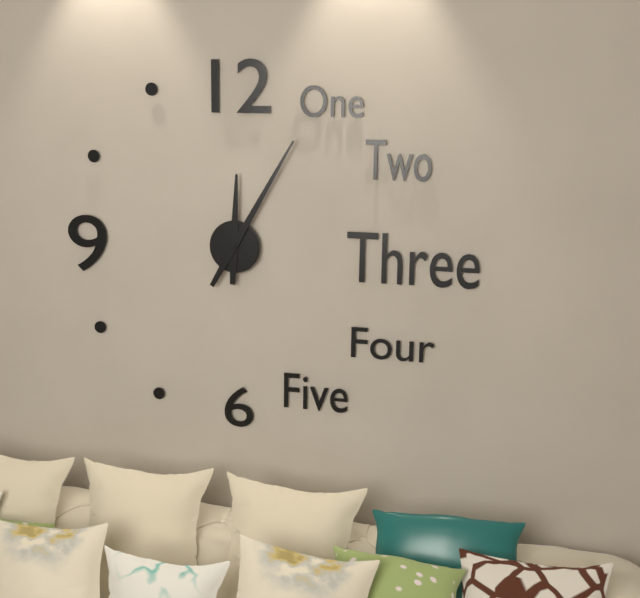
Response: **12:05**
